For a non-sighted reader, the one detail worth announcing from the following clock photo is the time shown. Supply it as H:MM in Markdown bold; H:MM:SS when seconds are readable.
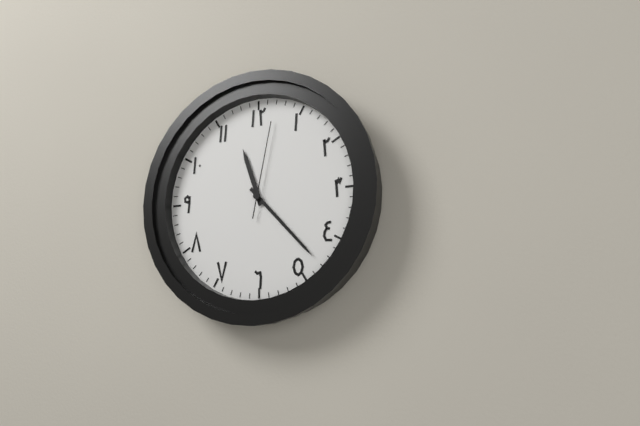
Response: **11:23:02**
